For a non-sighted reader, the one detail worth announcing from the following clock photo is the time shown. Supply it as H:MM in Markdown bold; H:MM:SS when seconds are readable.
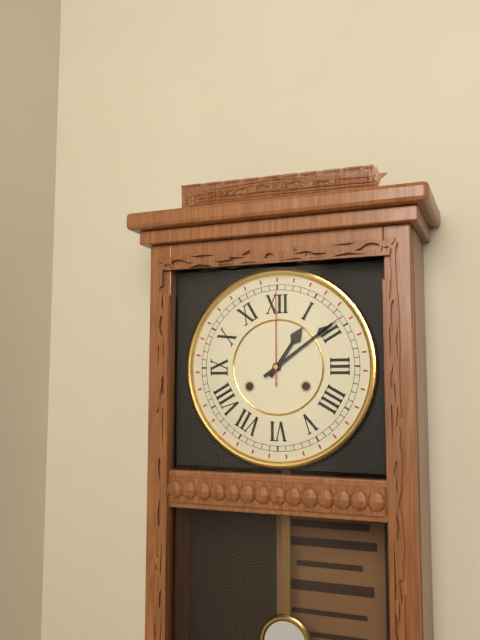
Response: **1:09:00**
